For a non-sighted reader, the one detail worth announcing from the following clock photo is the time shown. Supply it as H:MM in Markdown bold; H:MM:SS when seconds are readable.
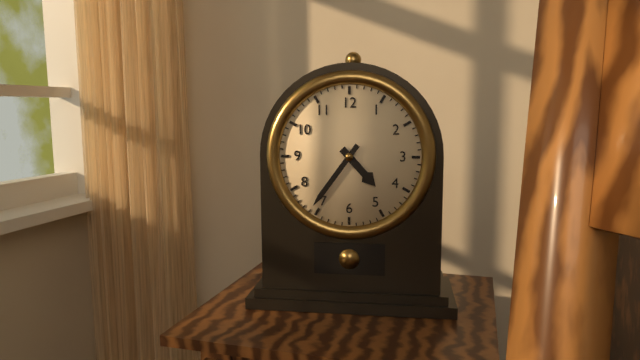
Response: **4:36**
